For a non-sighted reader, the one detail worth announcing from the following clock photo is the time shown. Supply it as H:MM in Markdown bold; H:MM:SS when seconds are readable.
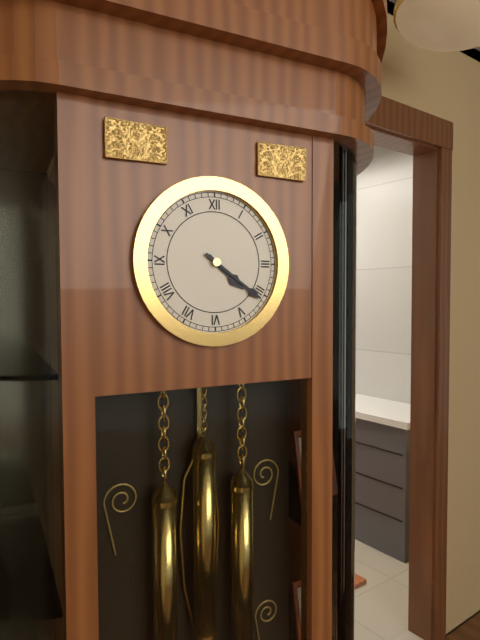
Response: **4:21**
